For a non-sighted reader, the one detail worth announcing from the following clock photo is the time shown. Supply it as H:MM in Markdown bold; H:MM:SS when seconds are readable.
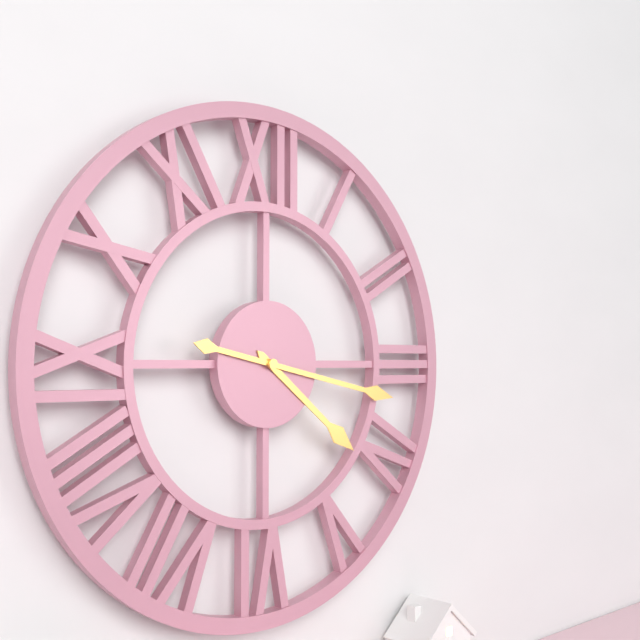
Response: **4:17**
